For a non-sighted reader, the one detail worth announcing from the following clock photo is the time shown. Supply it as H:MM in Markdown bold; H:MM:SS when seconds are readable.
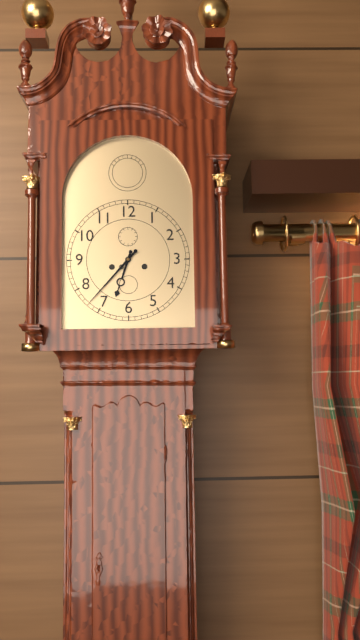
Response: **6:37**
